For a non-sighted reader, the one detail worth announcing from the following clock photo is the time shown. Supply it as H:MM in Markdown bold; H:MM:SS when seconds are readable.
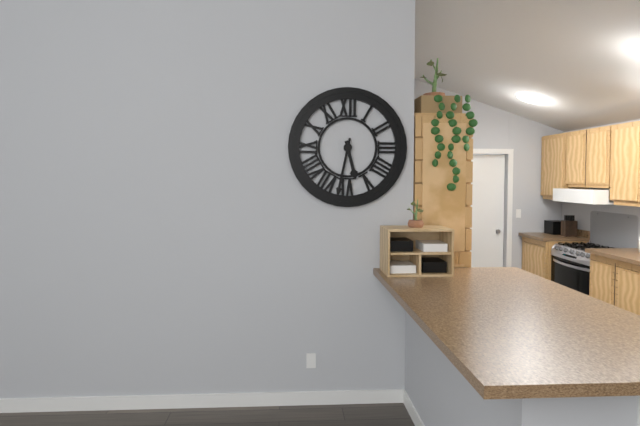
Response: **5:32**
